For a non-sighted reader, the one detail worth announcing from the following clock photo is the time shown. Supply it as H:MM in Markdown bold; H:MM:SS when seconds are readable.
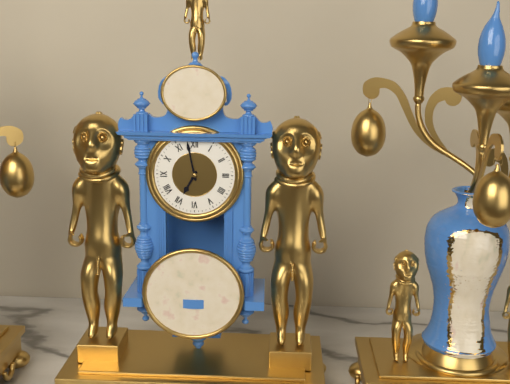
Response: **6:58**
